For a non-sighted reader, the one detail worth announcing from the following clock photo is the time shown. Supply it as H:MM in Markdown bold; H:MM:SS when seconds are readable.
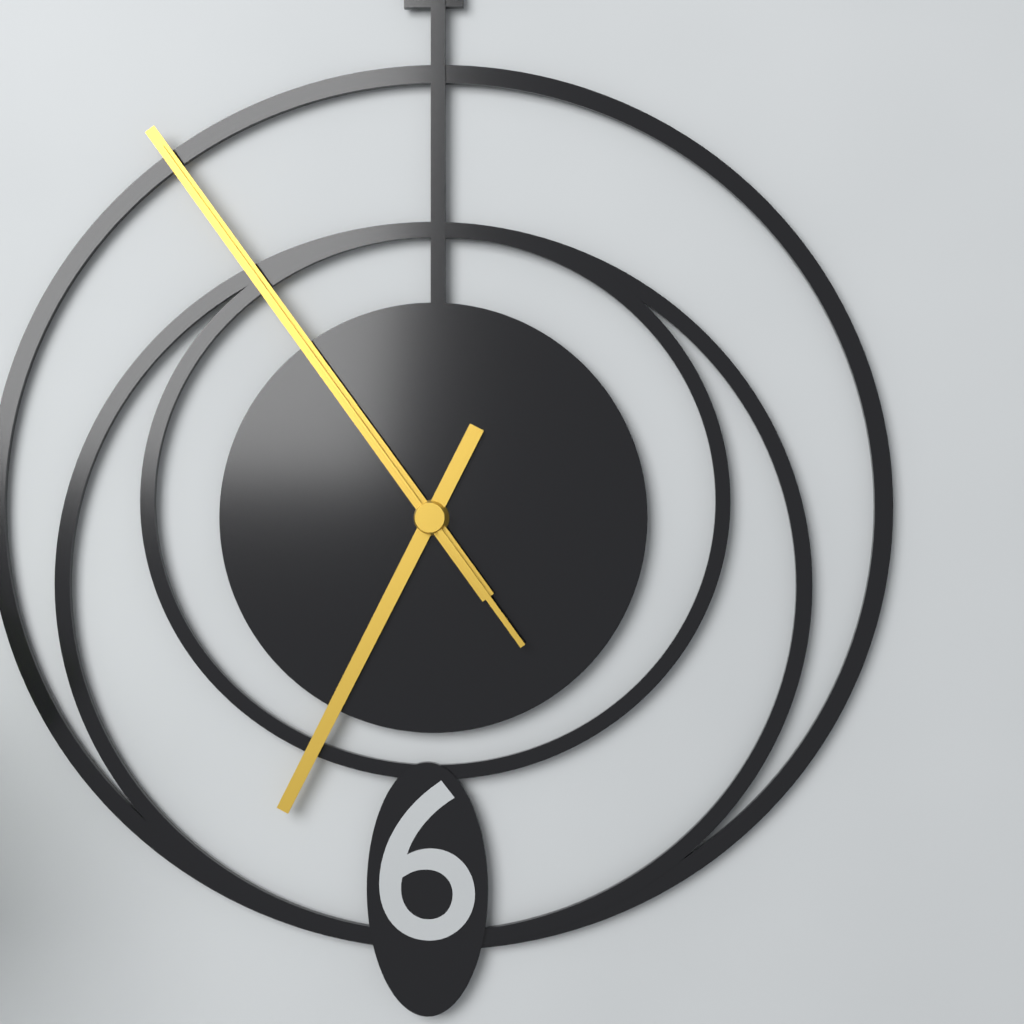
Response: **6:54:54**
